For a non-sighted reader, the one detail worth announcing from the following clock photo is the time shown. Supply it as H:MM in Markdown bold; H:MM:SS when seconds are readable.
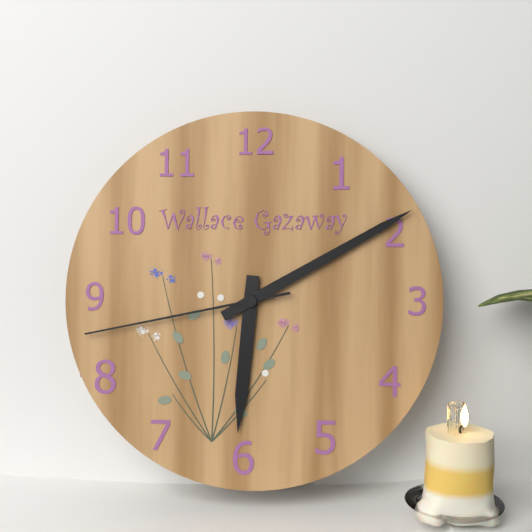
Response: **6:10:43**
